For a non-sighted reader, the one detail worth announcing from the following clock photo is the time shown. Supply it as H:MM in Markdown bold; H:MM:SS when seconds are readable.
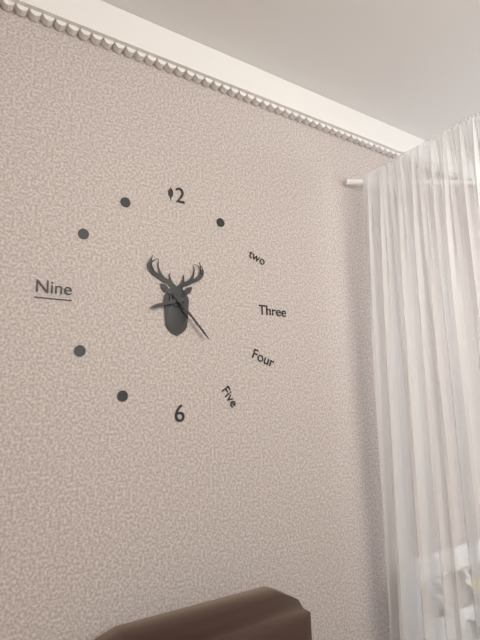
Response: **8:23**
